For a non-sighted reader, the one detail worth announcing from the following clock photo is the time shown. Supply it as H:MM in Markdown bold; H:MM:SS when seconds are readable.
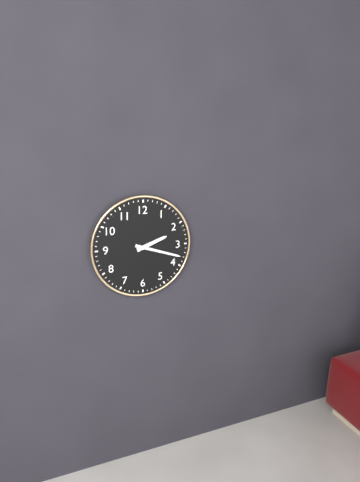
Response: **2:18**
